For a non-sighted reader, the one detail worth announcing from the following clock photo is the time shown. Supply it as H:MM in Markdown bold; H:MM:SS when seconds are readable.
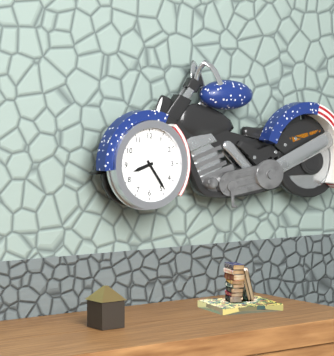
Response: **8:24**
